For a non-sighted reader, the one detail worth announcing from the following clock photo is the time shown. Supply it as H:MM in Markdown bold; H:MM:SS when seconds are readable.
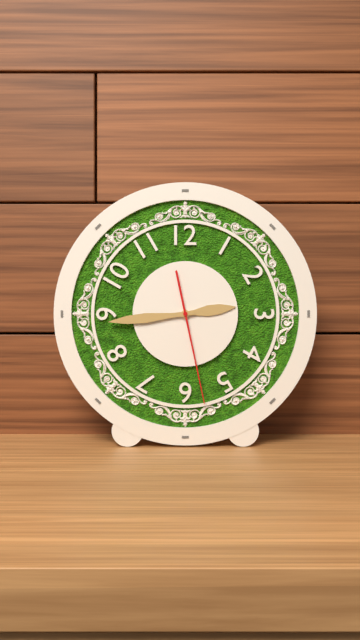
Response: **2:44:28**
